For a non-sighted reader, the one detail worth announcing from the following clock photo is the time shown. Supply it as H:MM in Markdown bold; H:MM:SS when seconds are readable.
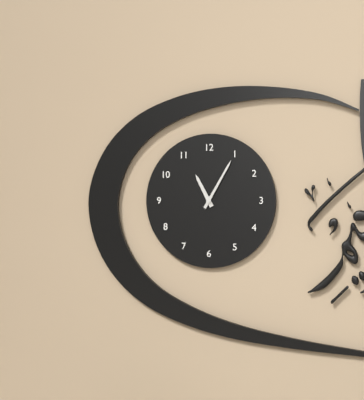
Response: **11:05**
